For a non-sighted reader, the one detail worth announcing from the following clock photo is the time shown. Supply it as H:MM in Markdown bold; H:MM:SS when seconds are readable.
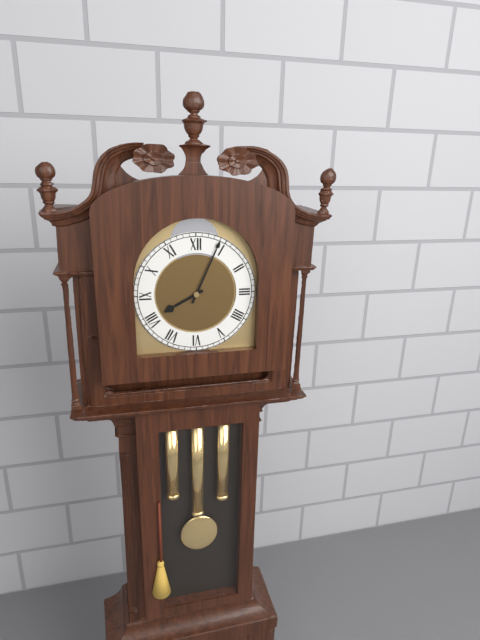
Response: **8:04**
